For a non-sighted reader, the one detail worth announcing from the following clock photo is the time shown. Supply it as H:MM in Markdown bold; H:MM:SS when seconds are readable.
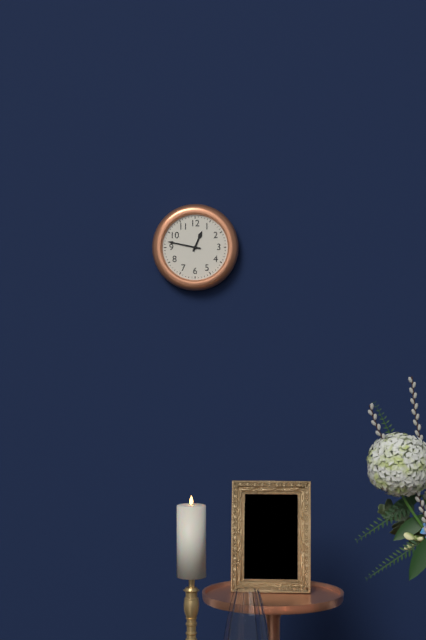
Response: **12:47**
